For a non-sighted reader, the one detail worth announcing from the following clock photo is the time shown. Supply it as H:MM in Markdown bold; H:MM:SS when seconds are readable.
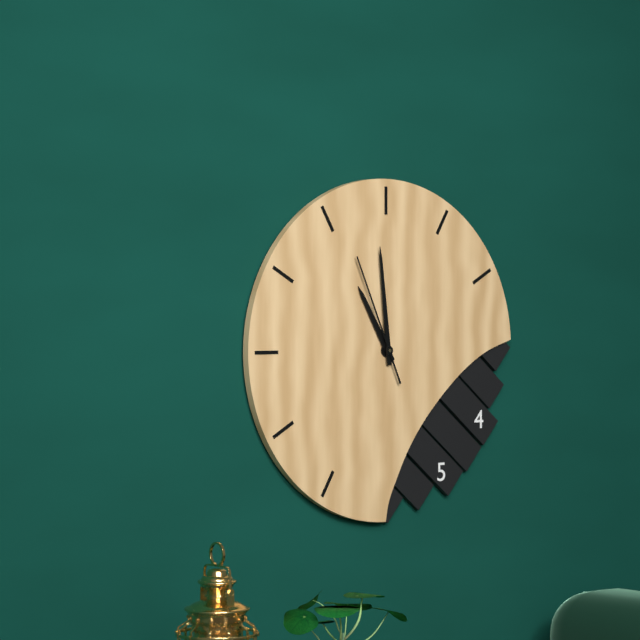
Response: **10:59:56**
